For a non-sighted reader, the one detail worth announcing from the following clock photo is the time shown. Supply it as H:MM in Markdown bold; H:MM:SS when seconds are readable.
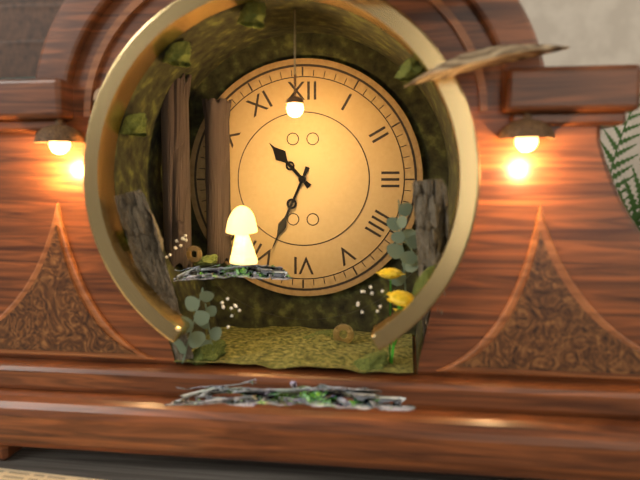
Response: **10:34**
